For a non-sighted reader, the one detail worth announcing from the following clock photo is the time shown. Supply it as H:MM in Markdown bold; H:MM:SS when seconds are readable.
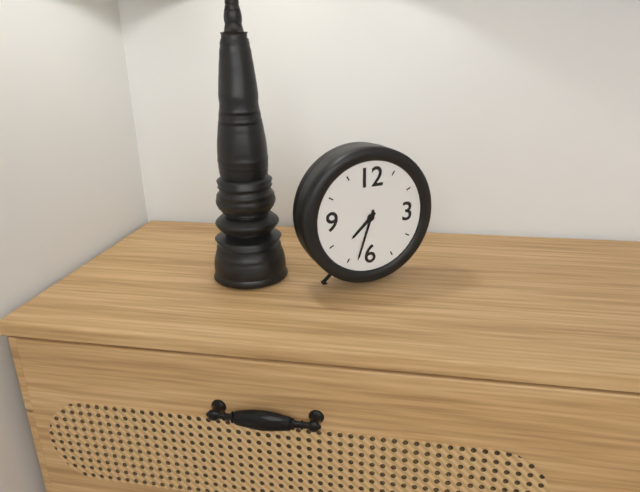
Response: **7:33**
